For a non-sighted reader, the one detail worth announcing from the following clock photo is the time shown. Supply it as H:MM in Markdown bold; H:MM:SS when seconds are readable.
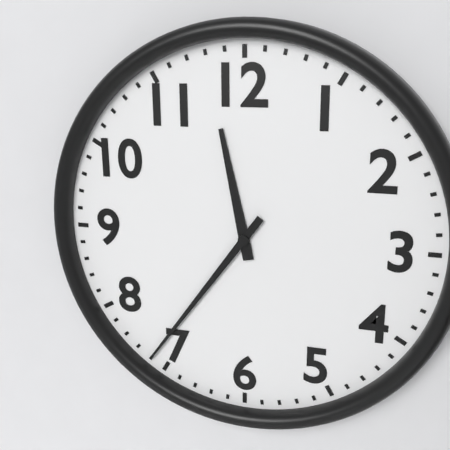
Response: **11:36**
